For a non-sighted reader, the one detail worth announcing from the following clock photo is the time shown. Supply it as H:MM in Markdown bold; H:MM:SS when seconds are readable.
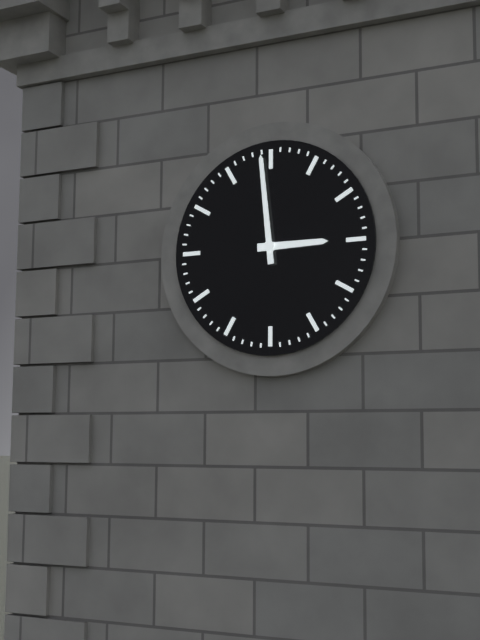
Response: **2:59**
